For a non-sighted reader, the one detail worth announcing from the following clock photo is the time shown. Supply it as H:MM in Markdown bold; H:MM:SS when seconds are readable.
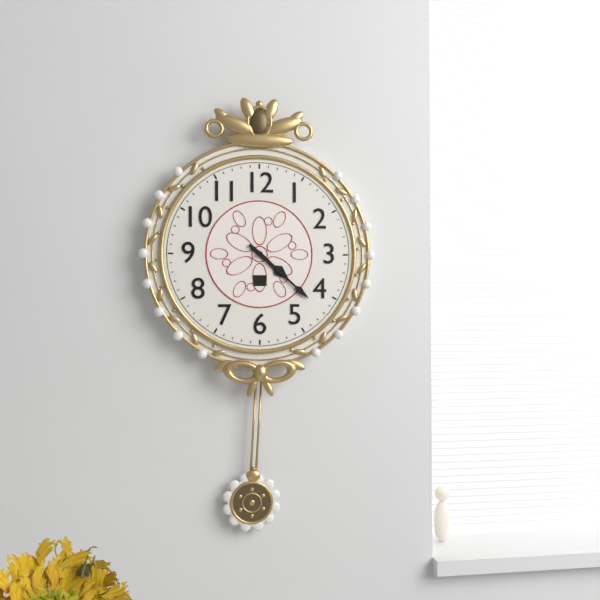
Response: **4:22**
